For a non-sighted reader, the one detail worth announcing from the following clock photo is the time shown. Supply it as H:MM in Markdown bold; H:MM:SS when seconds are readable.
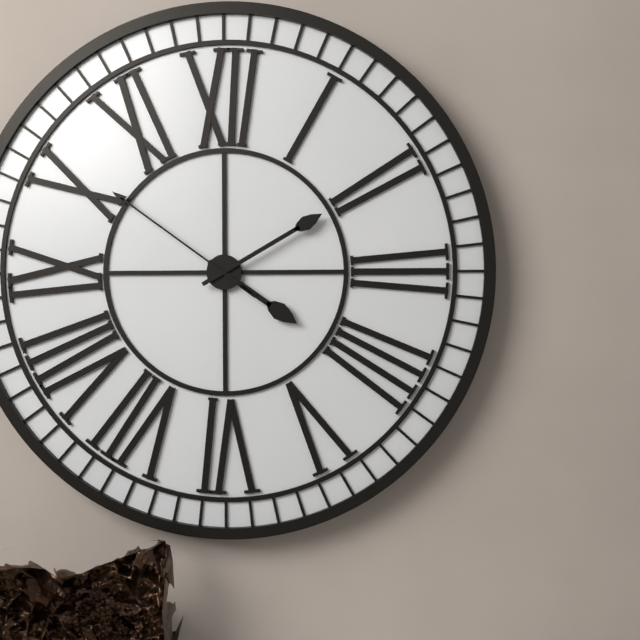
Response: **4:10:51**
